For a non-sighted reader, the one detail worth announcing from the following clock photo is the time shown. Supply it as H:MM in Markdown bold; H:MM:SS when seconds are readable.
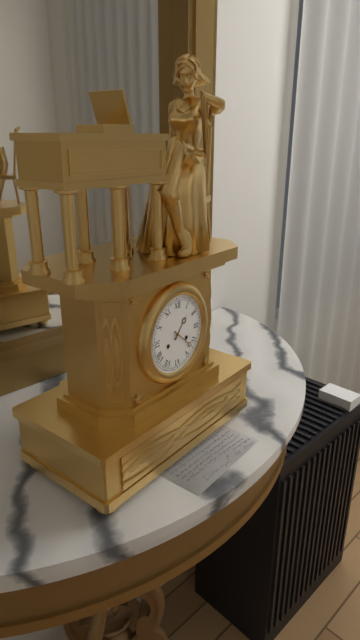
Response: **1:22**
